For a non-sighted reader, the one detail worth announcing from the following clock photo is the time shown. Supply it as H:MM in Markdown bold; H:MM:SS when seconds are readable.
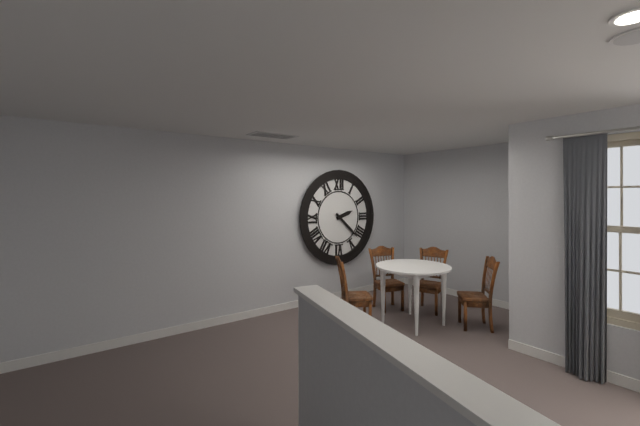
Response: **2:22**
